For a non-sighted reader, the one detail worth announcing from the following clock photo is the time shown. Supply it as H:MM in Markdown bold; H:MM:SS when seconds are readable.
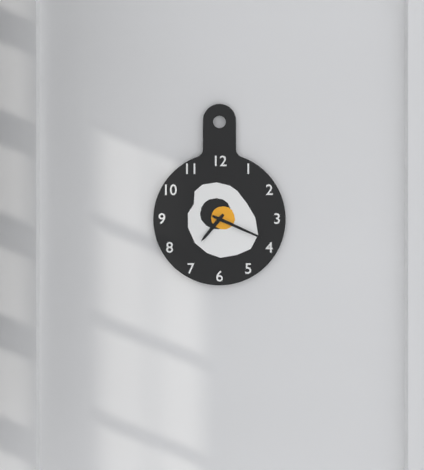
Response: **7:19**
